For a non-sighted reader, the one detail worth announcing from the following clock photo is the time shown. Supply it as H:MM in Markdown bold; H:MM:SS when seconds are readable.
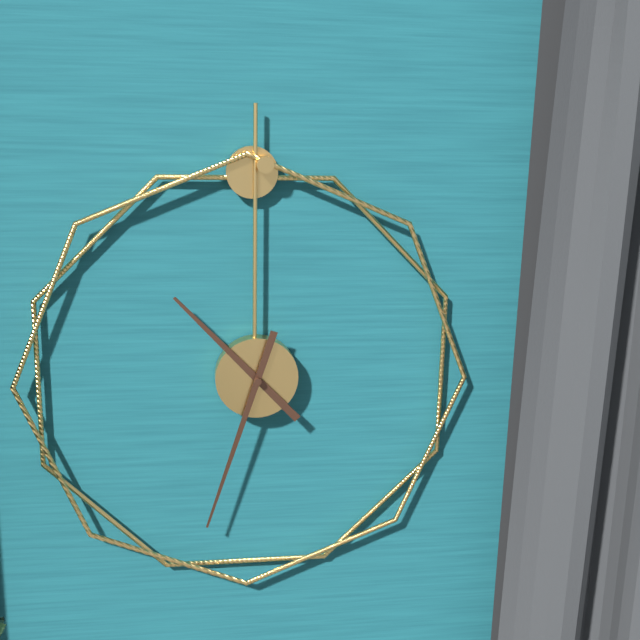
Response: **10:33**
